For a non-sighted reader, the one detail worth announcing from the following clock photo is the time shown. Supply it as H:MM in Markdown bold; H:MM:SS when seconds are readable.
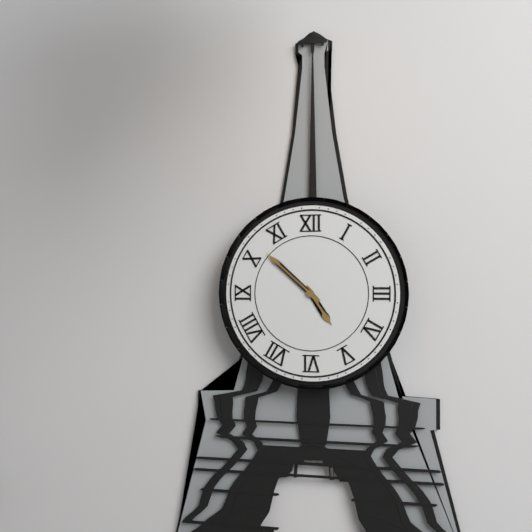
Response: **4:52**
